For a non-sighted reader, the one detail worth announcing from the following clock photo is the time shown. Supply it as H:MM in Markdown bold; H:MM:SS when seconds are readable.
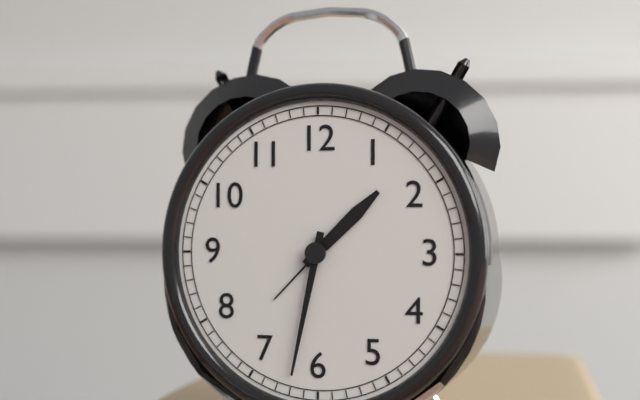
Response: **1:32**
